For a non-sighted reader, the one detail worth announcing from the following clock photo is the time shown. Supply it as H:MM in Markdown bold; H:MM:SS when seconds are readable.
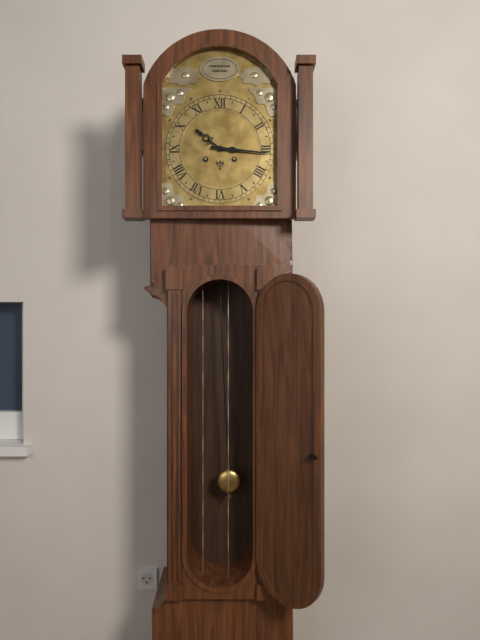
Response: **10:16**
